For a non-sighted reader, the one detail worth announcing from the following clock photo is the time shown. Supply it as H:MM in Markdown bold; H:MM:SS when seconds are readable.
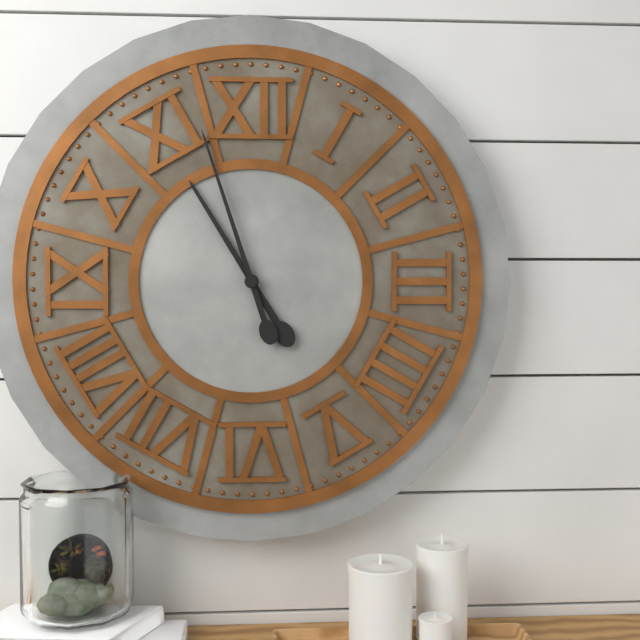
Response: **10:57**
